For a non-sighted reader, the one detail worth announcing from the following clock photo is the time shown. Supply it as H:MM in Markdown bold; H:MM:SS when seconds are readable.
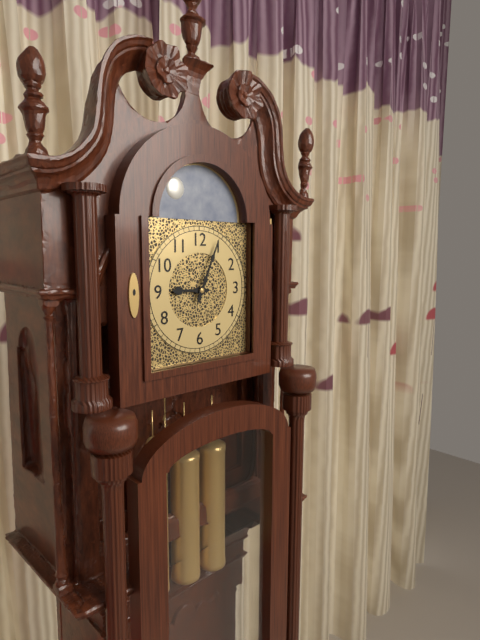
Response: **9:04**
